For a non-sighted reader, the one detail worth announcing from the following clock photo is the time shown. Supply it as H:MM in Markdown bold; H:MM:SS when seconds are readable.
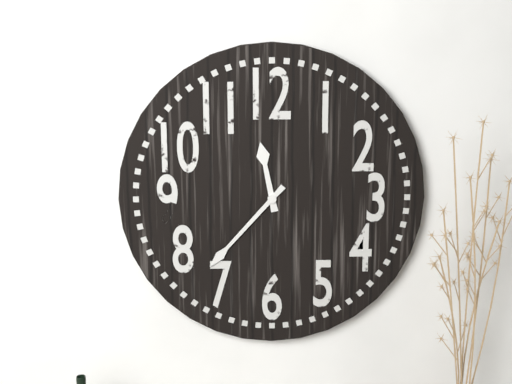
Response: **11:37**
